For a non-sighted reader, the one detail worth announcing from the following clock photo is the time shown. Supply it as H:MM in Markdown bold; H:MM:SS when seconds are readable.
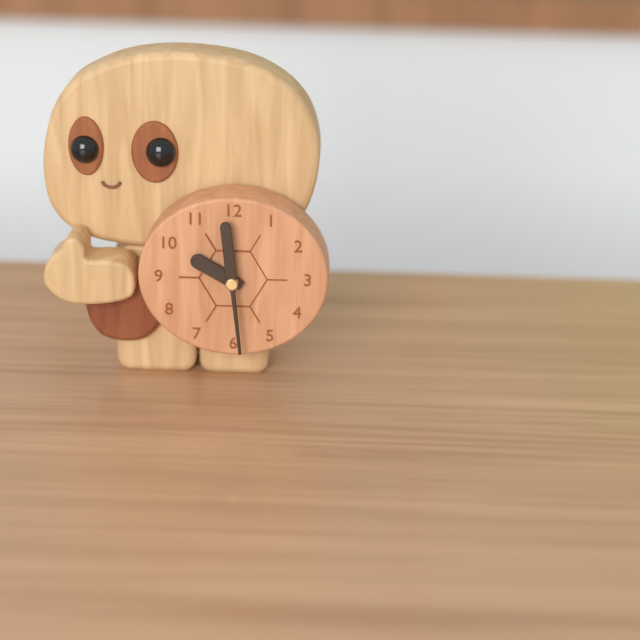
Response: **9:59**
